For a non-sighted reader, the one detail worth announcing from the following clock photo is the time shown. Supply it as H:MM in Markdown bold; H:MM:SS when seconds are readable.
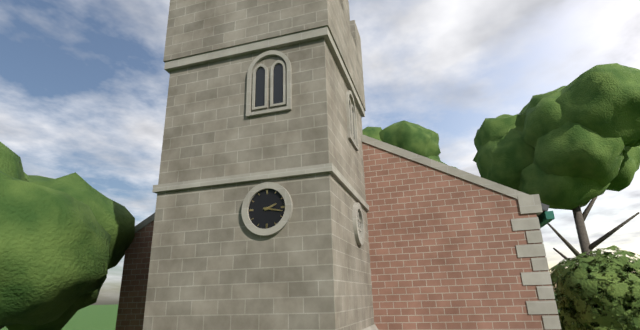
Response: **2:17**
